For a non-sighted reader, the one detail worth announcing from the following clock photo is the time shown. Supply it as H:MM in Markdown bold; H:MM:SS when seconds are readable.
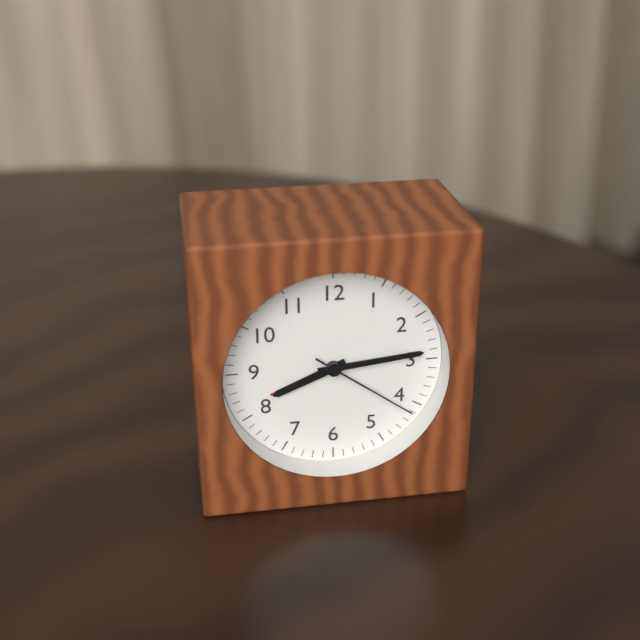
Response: **8:14:21**
